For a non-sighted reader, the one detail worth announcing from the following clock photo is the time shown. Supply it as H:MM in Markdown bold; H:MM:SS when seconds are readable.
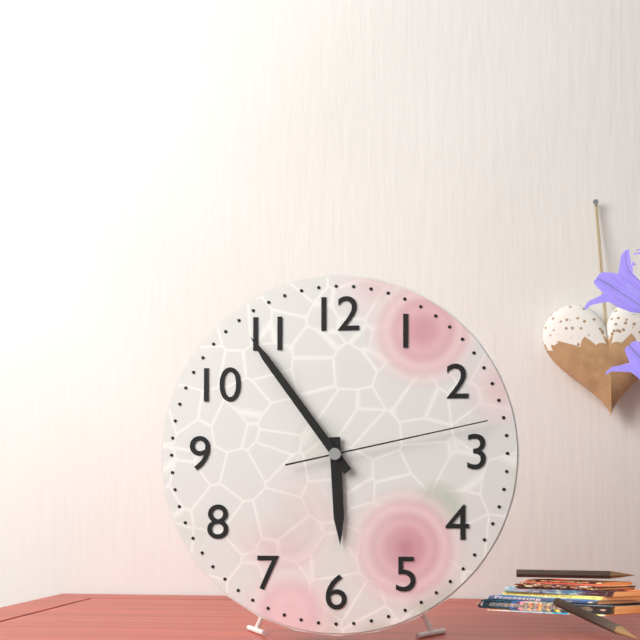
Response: **5:54:13**
